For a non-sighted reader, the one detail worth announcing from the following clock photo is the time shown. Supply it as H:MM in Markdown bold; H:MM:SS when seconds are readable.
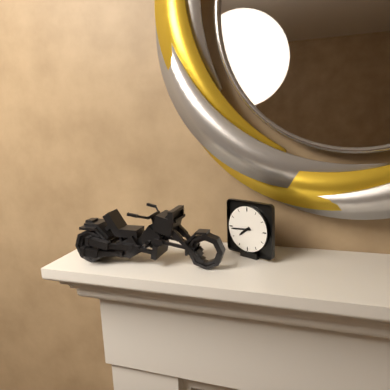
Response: **7:44**
